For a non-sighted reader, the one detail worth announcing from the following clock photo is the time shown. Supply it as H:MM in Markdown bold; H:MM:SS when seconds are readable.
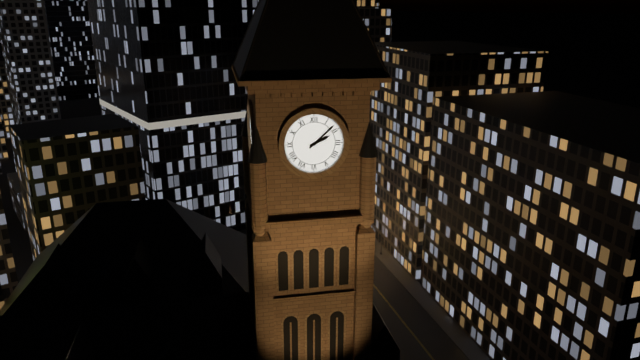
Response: **2:08**
